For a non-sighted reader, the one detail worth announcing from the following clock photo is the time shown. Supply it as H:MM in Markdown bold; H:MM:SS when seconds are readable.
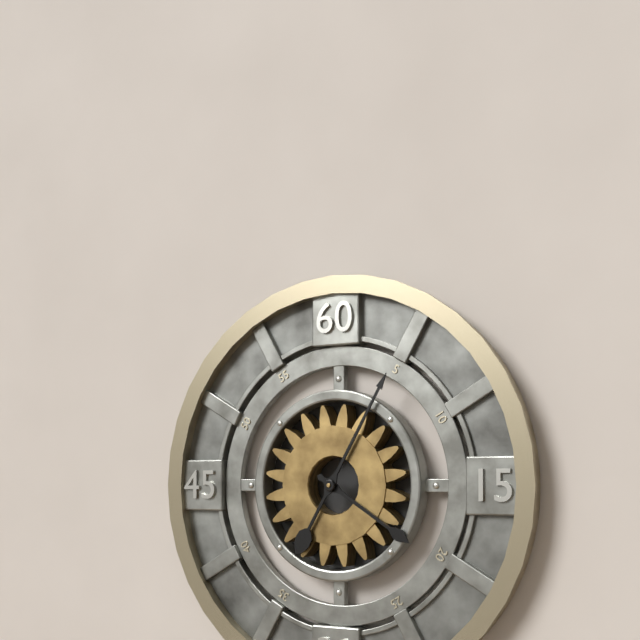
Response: **4:05**
